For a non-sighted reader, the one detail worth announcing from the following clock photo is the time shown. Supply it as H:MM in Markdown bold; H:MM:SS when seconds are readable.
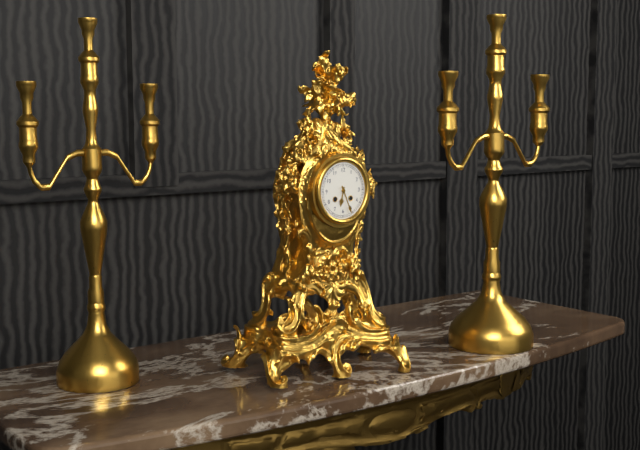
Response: **6:26**
